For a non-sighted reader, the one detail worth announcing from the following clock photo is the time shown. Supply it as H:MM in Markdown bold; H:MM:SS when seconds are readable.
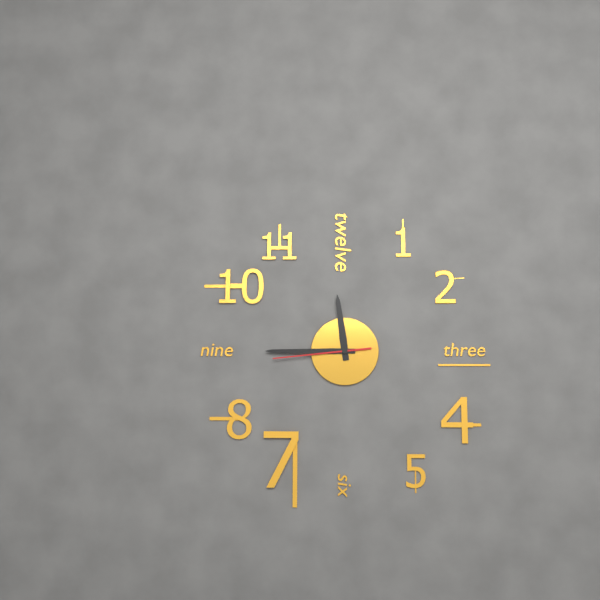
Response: **11:45:44**
